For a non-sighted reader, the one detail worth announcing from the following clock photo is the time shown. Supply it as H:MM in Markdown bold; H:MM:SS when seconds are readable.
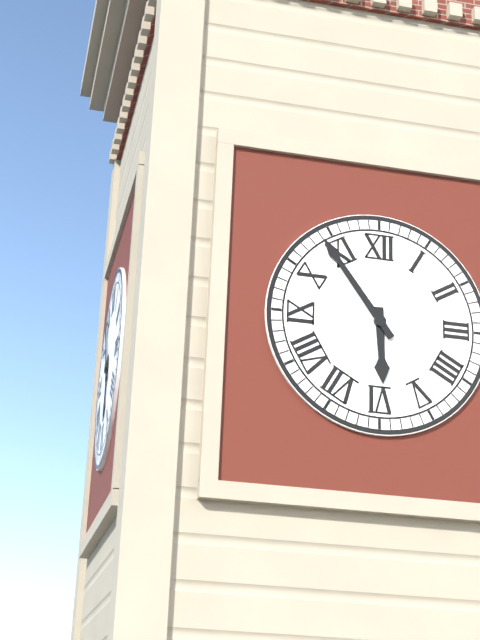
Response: **5:54**
